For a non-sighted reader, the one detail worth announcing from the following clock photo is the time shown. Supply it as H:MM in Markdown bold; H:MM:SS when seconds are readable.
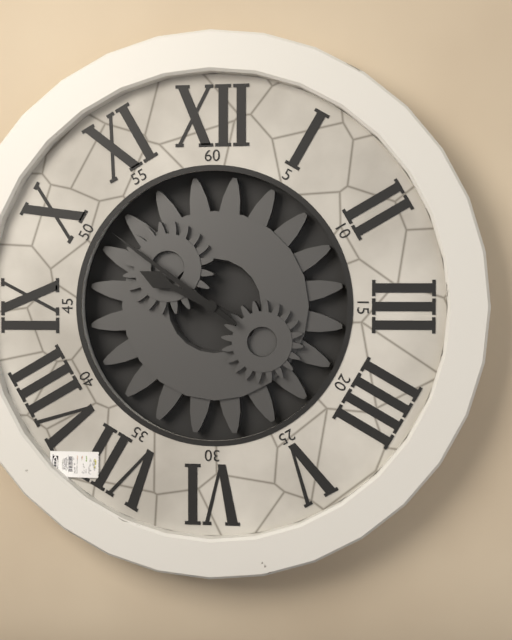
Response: **9:51**
